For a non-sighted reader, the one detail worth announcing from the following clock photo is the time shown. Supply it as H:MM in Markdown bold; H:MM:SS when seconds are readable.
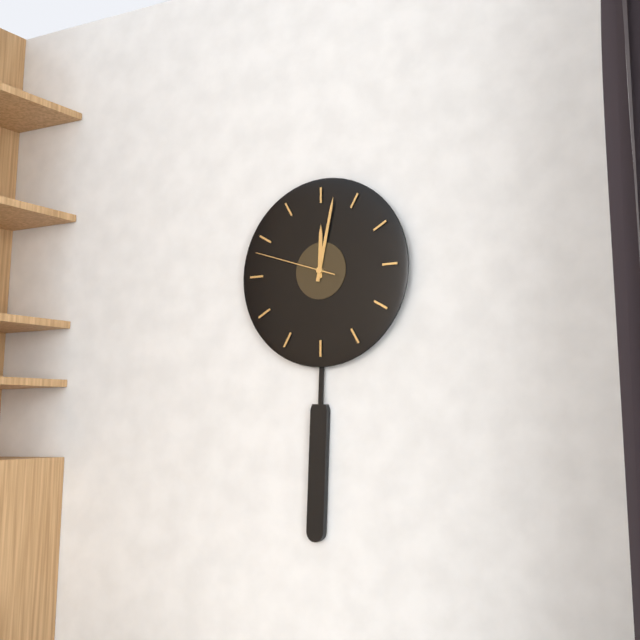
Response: **12:02:48**
